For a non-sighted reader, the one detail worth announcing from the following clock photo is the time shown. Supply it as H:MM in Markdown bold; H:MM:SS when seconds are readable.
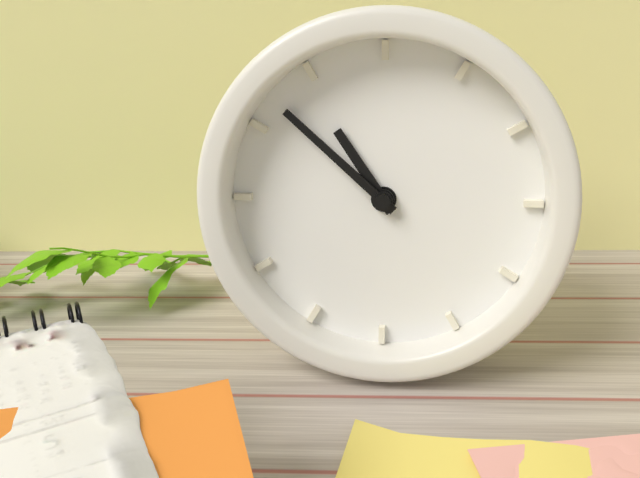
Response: **10:52**
